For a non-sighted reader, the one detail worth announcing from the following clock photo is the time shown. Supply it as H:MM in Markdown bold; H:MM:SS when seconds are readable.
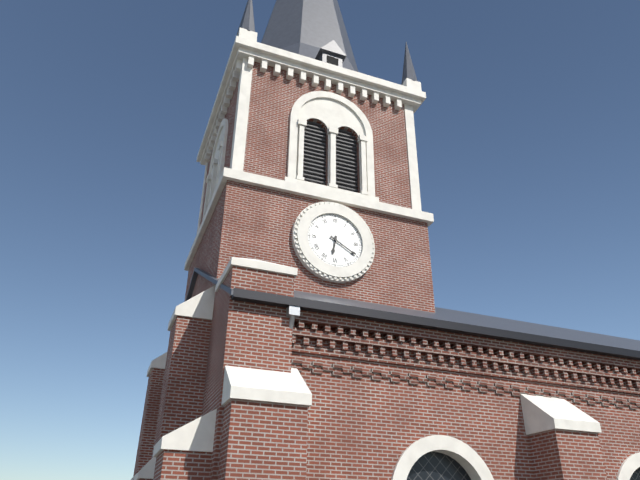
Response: **6:20**
